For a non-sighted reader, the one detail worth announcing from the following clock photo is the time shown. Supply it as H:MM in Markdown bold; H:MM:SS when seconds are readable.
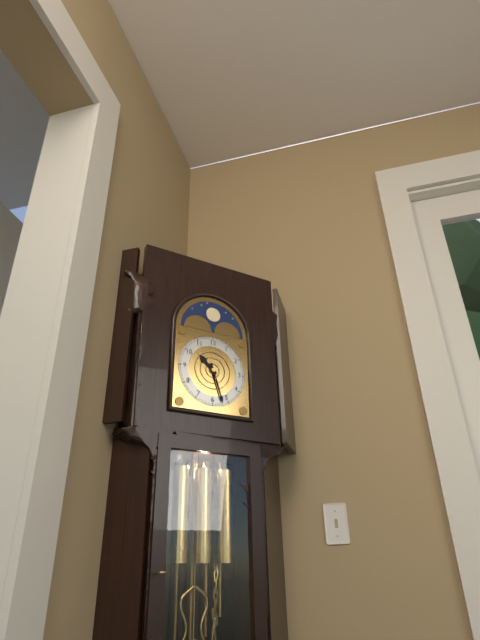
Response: **10:27**
